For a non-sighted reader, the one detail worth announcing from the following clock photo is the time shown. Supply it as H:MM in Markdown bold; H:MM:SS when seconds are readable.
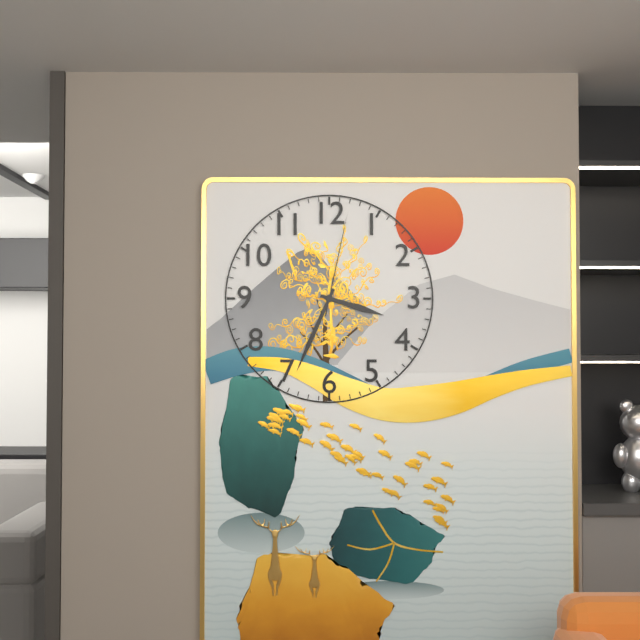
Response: **3:34:02**
